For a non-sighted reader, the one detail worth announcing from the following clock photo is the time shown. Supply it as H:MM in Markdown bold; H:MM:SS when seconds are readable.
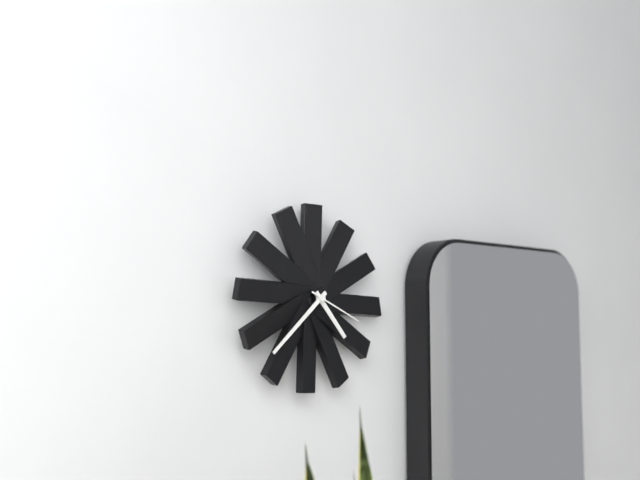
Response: **4:38:19**
